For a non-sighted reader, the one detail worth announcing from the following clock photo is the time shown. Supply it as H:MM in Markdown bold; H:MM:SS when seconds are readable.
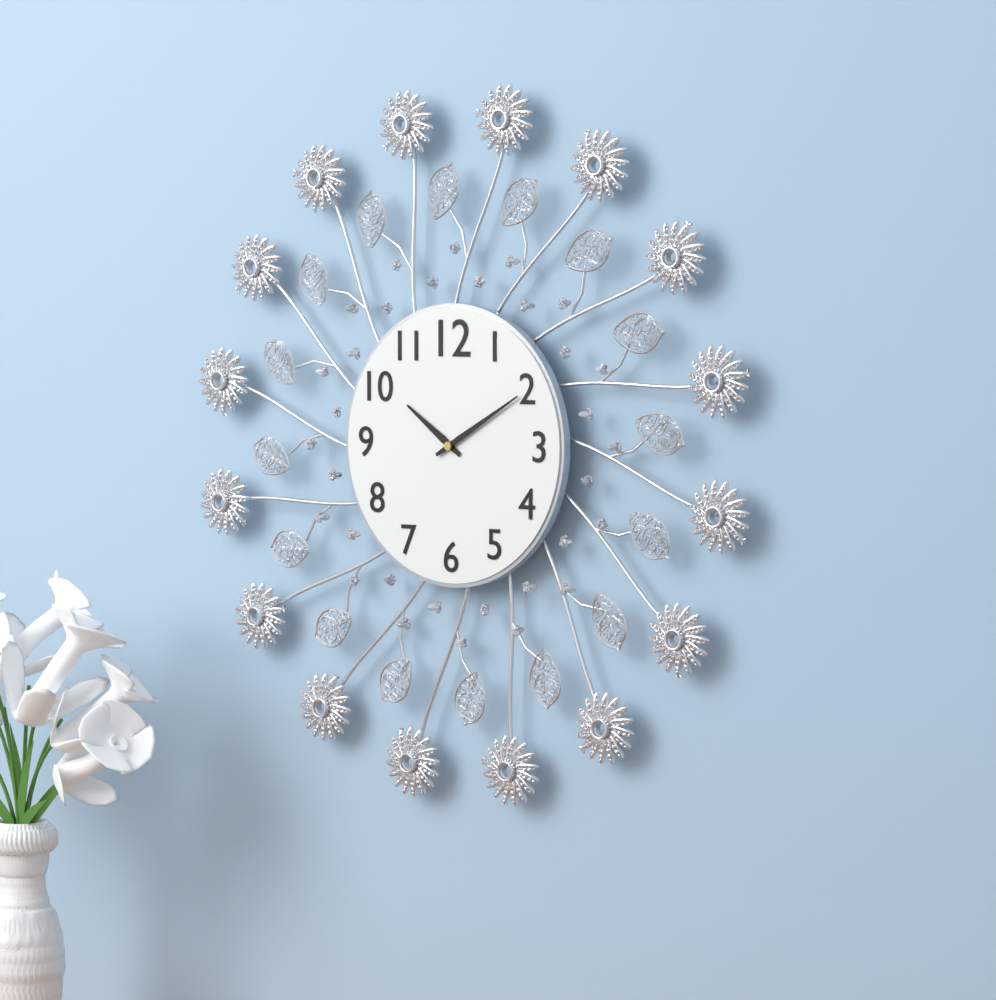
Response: **10:10**
